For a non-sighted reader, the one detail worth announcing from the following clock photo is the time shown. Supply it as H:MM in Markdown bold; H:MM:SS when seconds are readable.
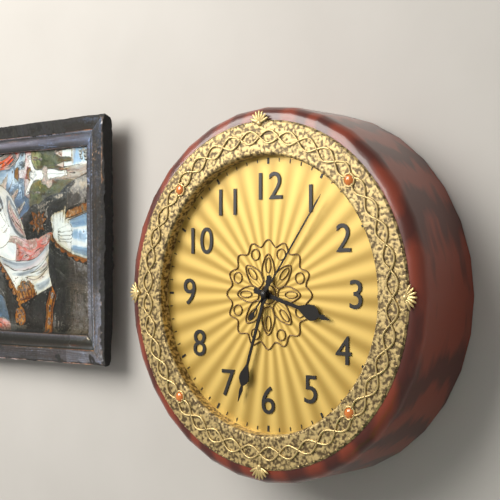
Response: **3:33:06**
